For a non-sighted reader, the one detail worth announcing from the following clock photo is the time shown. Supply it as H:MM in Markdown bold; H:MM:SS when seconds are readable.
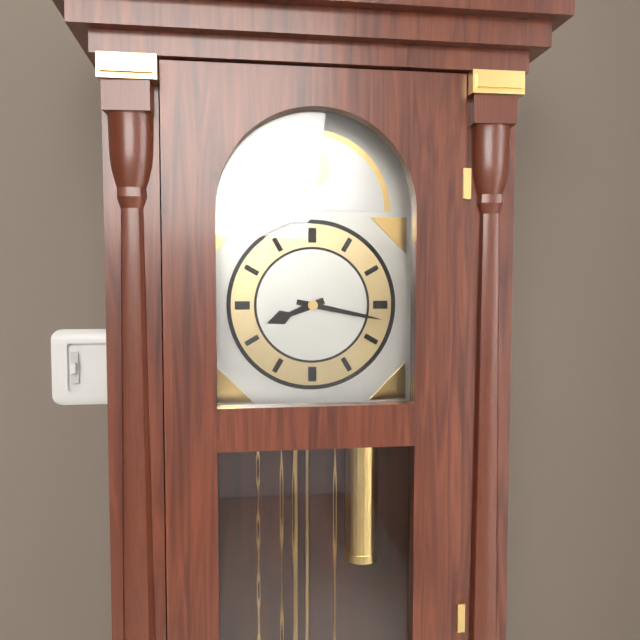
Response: **8:17**
